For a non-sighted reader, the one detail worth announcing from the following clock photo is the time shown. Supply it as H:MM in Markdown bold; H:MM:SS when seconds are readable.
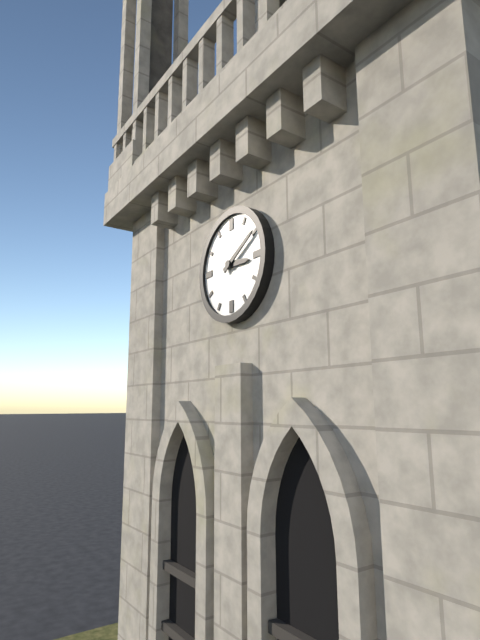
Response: **3:10**
